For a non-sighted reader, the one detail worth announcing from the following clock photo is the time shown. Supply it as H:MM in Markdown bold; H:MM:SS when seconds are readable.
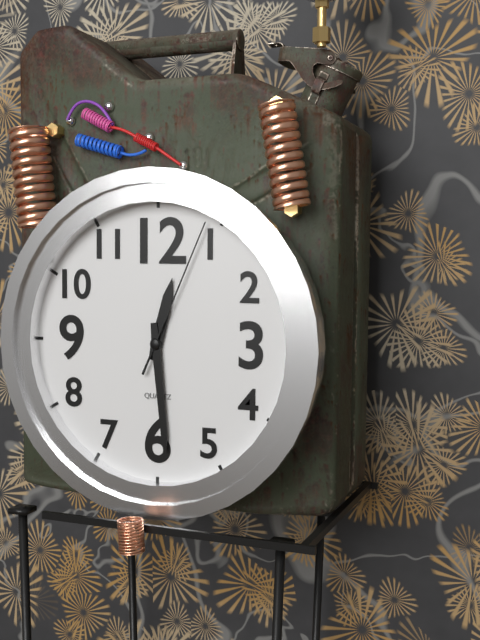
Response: **12:29:04**
